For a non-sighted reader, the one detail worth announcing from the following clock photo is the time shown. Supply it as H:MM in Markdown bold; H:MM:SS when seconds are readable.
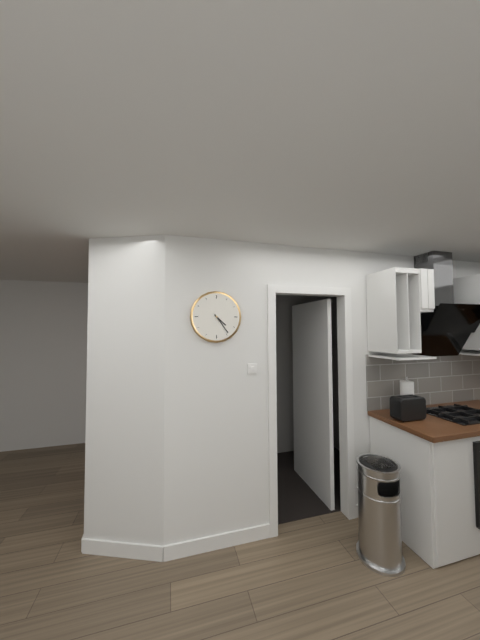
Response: **4:24**
